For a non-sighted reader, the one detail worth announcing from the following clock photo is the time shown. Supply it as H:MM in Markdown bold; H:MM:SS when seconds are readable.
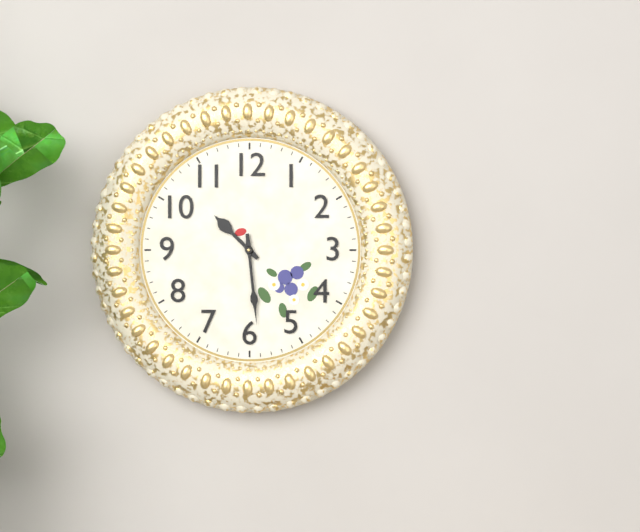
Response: **10:29**
